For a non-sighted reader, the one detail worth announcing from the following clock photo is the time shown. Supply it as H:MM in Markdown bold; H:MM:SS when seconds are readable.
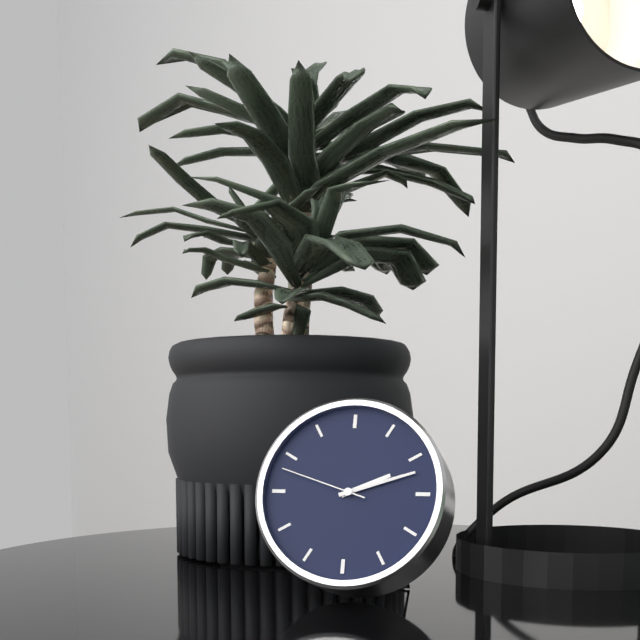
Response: **2:12:48**
